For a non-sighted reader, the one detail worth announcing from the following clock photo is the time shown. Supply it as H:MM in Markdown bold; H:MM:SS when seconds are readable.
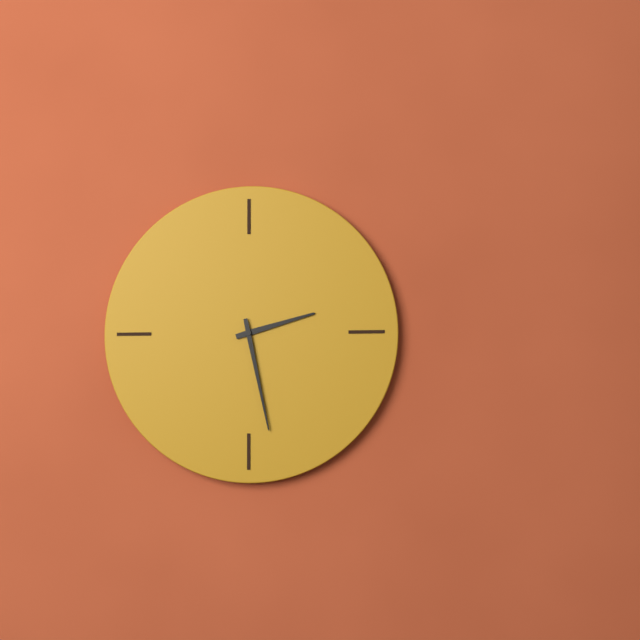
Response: **2:28**
